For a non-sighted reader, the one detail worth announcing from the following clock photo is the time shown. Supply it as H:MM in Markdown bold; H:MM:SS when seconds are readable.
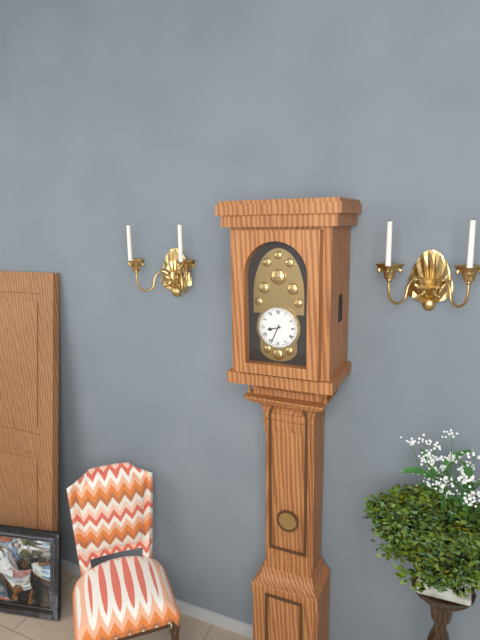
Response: **8:34**
